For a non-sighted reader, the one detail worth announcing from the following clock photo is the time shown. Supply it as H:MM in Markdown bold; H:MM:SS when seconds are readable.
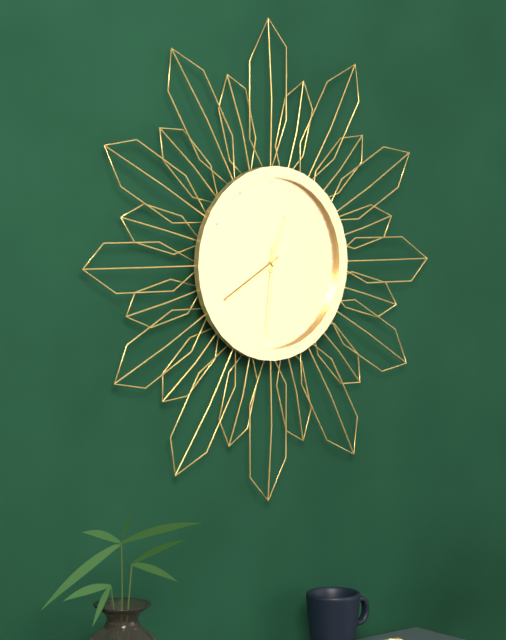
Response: **12:40:31**
